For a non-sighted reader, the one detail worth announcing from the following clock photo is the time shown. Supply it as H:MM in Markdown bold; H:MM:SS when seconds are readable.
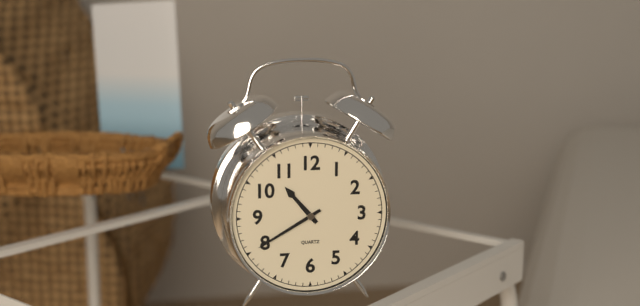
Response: **10:40**
